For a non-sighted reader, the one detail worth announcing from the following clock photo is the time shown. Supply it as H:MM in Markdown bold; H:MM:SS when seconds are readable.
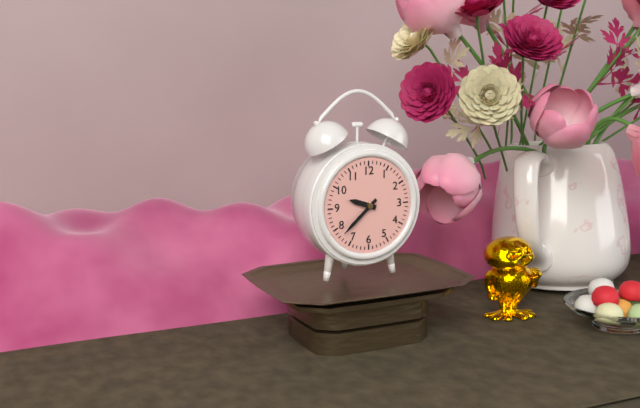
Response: **9:38**
